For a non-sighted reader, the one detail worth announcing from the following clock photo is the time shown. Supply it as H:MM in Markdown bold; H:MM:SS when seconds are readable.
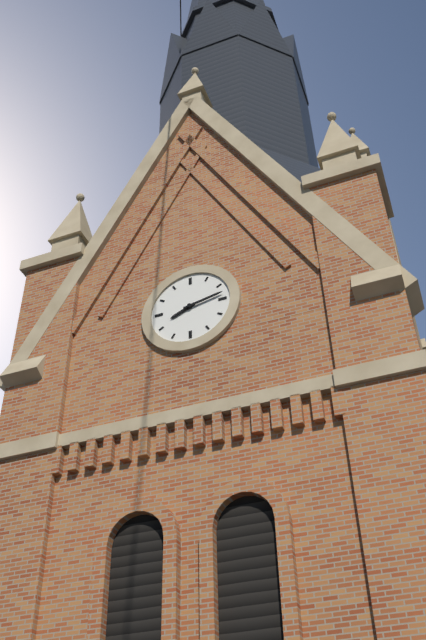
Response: **8:13**
